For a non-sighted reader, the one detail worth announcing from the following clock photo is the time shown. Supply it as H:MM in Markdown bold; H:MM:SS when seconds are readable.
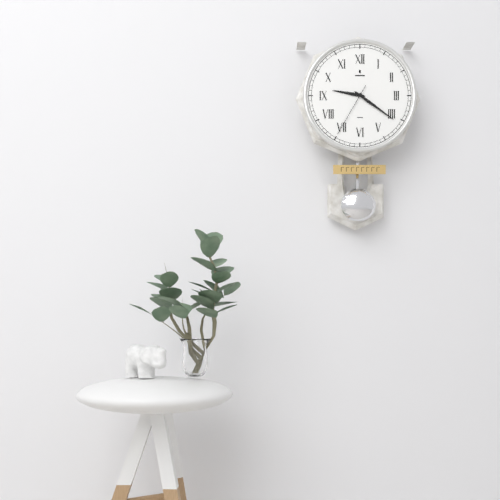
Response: **9:21:35**
